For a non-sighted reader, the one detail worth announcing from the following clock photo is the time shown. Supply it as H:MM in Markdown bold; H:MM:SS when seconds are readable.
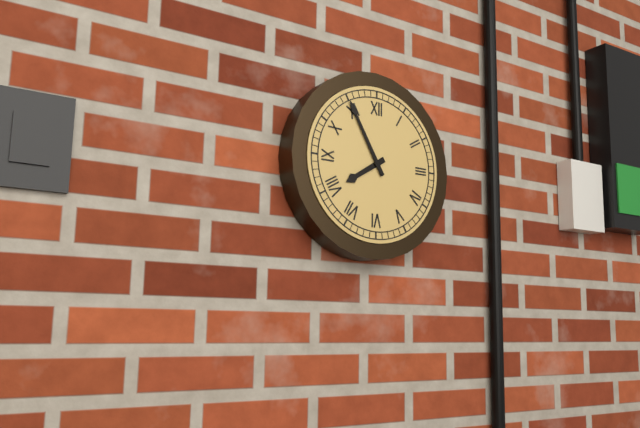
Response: **7:55**
